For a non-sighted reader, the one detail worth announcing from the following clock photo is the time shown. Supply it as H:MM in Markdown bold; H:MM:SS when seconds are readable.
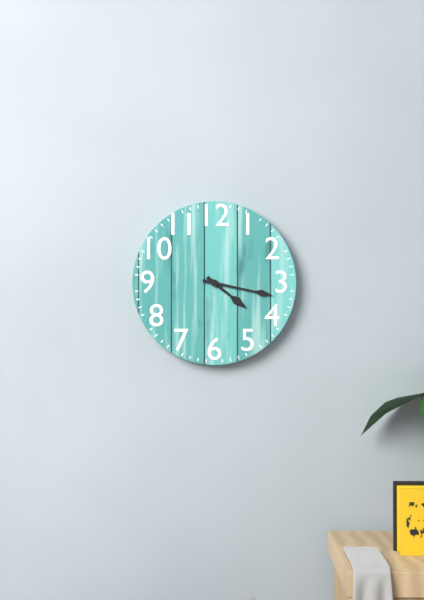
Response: **4:17**
